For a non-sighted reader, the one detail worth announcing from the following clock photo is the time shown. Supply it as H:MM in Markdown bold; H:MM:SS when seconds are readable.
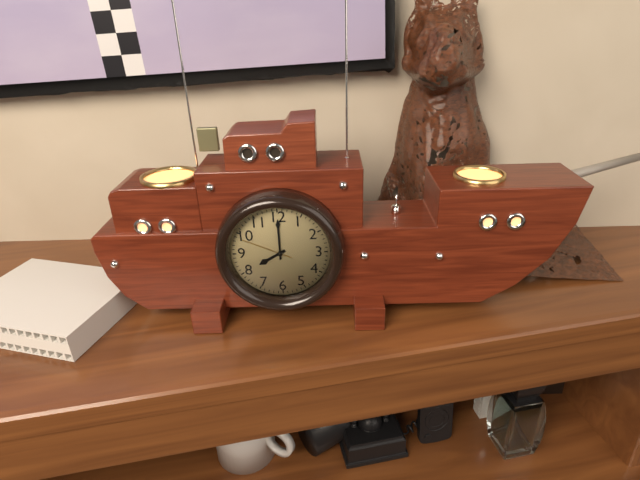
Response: **8:00:49**
